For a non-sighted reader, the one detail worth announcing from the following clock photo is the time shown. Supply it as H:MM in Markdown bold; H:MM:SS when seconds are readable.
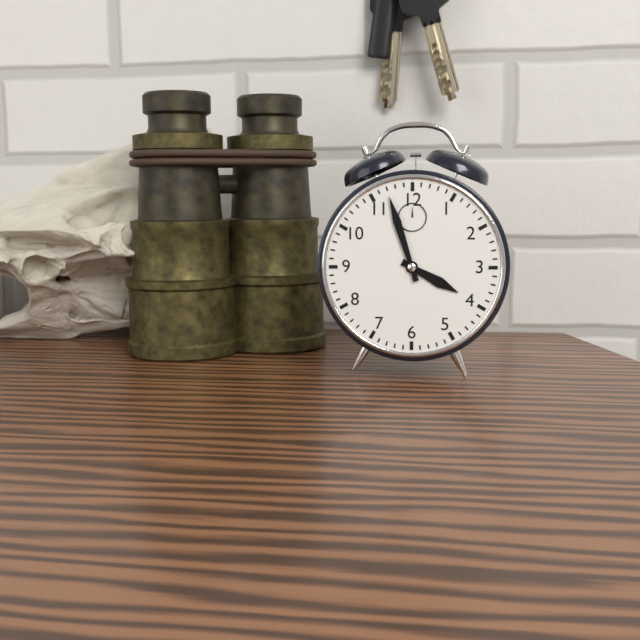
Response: **3:57**
